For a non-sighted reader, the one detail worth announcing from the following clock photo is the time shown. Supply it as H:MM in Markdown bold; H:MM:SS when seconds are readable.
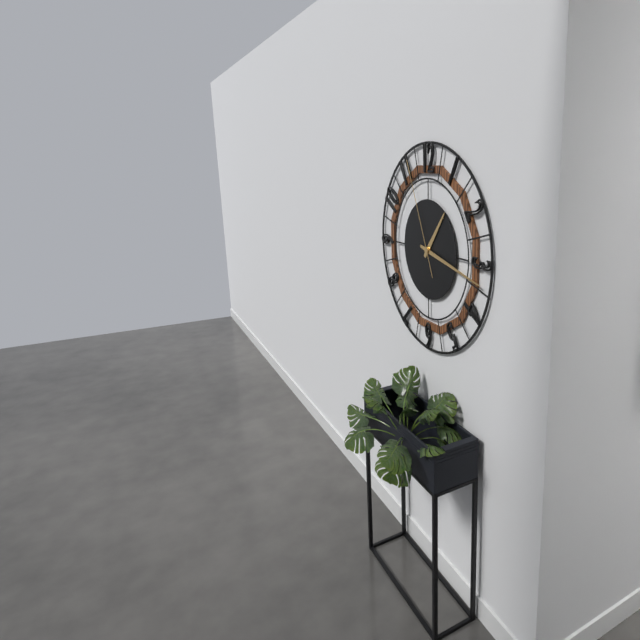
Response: **1:17:56**
